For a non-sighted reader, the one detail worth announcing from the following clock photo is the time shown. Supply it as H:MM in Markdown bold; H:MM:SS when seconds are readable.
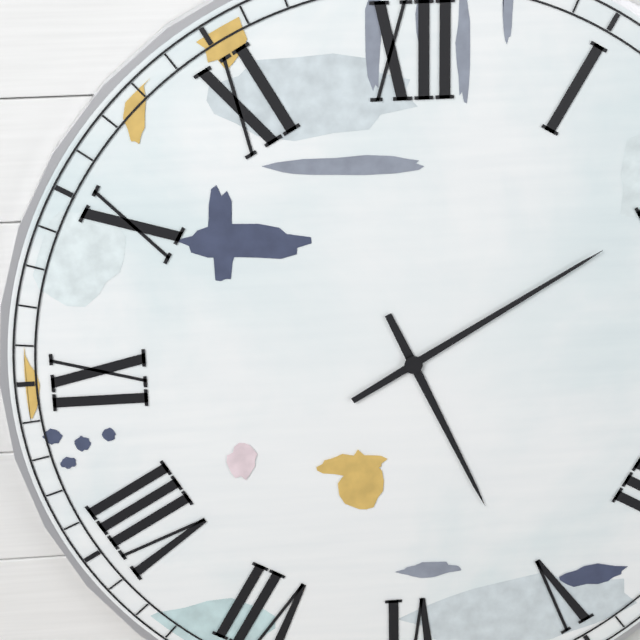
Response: **5:10**
